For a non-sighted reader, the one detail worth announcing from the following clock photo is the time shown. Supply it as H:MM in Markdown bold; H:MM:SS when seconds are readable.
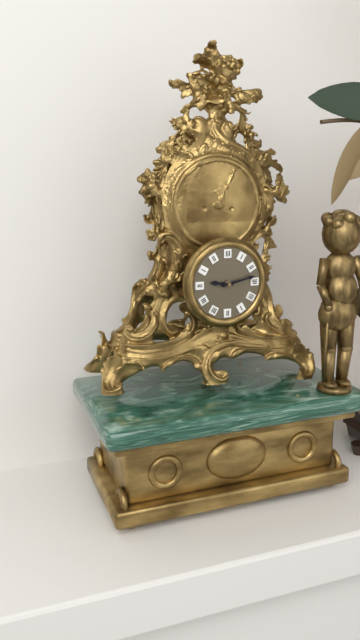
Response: **9:13**
